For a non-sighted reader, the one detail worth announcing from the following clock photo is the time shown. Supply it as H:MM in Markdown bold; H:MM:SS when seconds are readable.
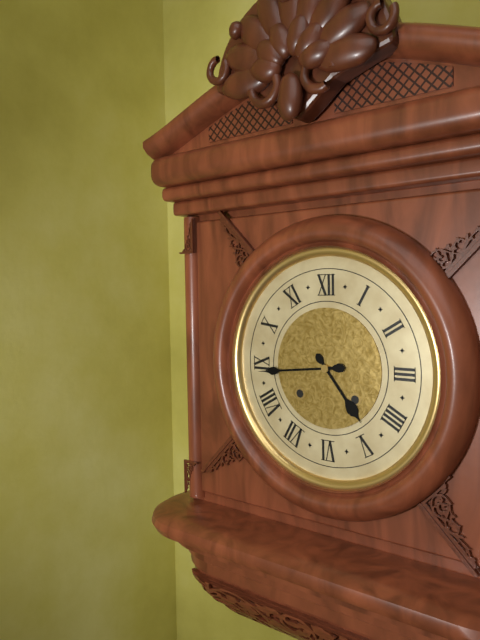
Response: **4:44**
